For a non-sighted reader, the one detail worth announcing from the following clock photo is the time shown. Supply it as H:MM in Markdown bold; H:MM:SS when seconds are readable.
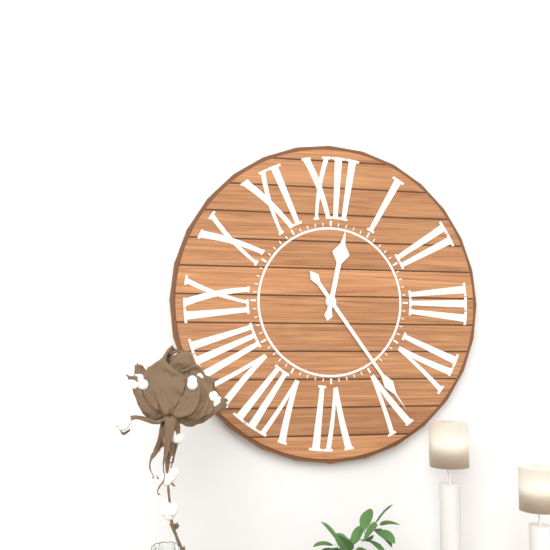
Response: **12:24**
